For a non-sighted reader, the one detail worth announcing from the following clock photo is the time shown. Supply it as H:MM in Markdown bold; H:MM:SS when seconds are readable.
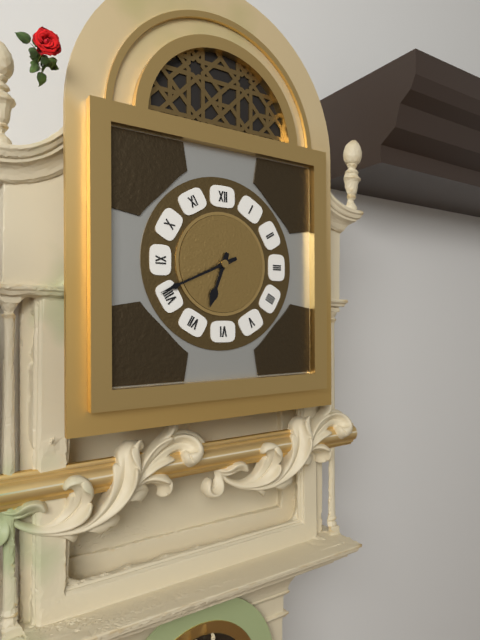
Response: **6:41**
